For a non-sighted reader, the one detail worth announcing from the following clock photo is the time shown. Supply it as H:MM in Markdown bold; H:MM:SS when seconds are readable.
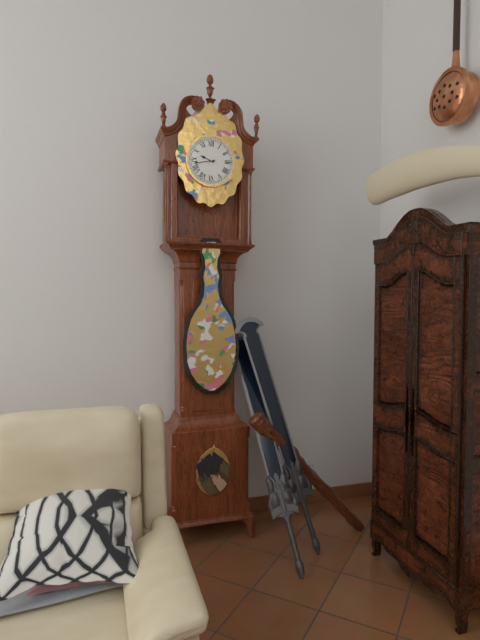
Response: **9:43**
